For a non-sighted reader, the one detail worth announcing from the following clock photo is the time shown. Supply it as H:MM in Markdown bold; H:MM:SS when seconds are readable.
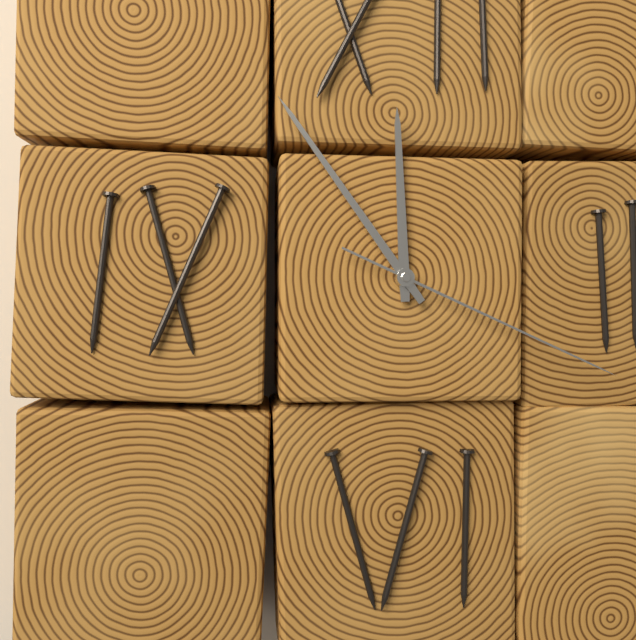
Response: **11:54:19**
